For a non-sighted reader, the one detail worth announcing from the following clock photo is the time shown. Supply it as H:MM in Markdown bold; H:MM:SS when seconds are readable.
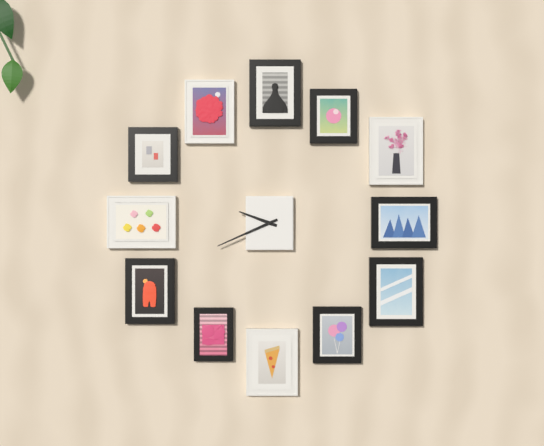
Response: **9:41**
